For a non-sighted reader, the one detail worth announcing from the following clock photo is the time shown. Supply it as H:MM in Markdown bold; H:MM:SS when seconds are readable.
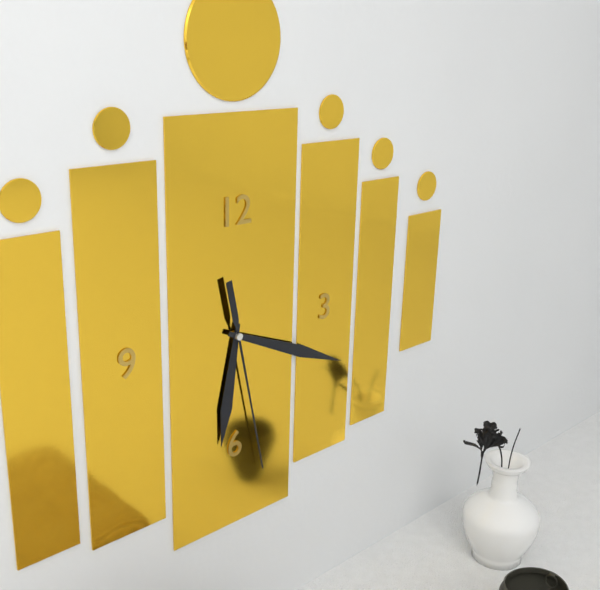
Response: **6:19:28**
